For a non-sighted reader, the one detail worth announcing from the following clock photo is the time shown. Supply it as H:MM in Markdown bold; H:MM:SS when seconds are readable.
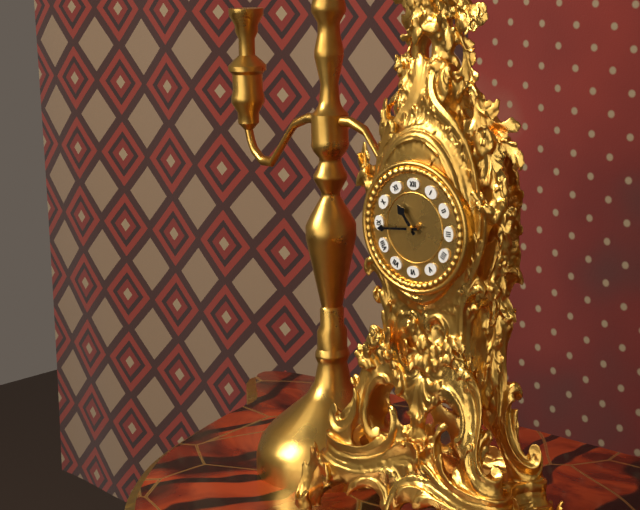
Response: **10:44**
